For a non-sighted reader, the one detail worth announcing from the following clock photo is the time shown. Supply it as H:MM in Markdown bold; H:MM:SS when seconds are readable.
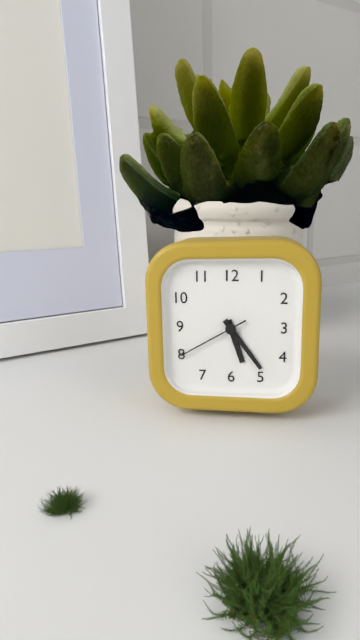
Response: **5:24:40**
